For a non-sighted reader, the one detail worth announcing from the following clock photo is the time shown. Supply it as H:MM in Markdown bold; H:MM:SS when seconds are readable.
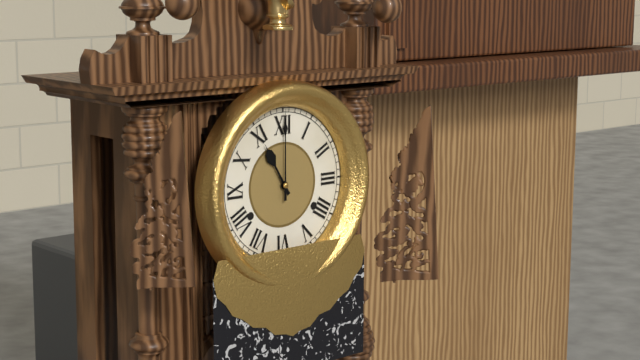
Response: **11:00**
